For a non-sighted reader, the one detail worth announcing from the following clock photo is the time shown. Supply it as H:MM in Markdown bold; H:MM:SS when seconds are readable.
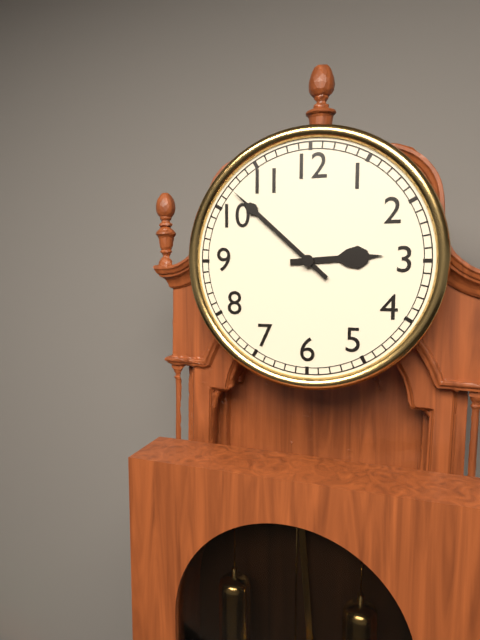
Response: **2:52**
